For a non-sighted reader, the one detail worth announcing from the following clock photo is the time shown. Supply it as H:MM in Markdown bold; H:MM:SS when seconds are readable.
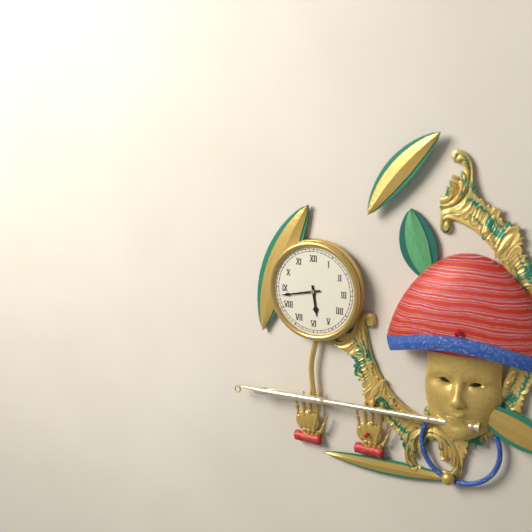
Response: **5:43**
